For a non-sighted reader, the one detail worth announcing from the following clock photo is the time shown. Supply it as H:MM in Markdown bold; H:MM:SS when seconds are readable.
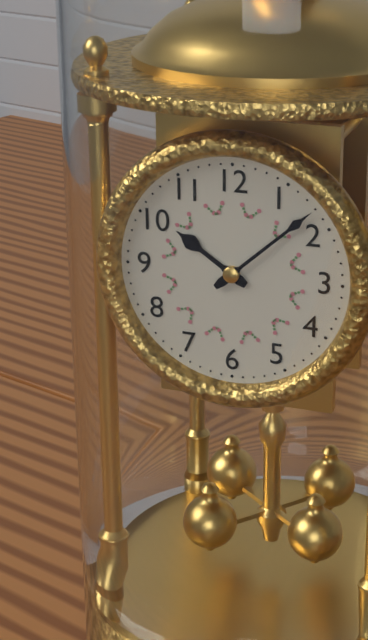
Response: **10:08**
